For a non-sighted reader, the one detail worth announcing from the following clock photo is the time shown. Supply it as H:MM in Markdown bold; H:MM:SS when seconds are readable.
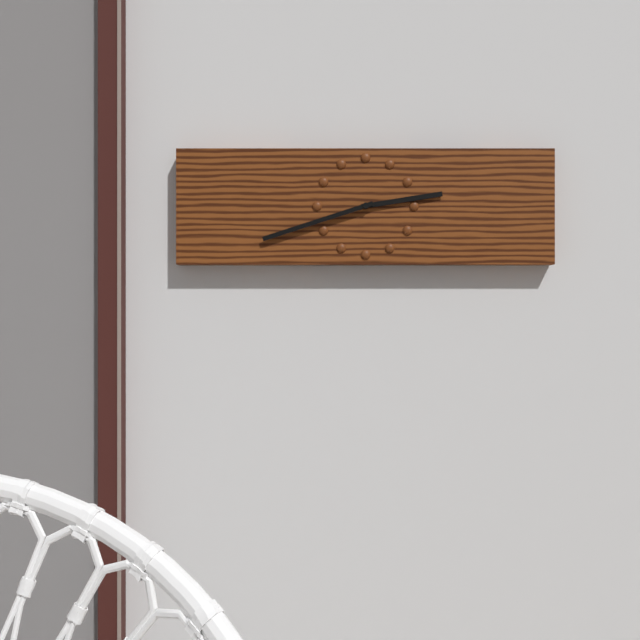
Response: **2:42**
